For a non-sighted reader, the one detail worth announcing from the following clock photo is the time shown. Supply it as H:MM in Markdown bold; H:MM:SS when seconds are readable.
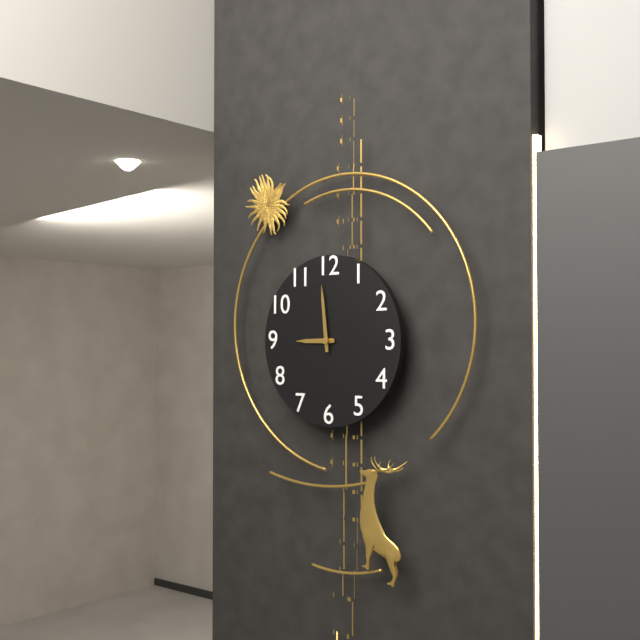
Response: **8:59**
